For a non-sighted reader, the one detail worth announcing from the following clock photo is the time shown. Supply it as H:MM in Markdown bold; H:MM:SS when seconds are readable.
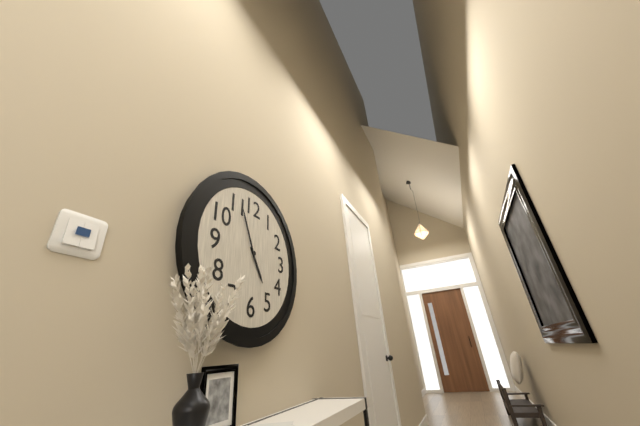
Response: **4:56**
